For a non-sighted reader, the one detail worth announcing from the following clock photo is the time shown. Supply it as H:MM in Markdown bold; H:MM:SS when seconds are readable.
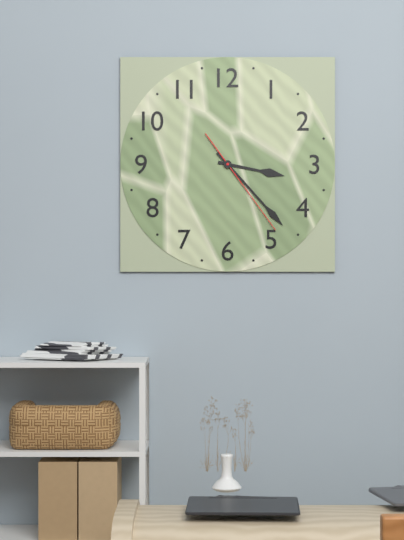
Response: **3:23:24**
